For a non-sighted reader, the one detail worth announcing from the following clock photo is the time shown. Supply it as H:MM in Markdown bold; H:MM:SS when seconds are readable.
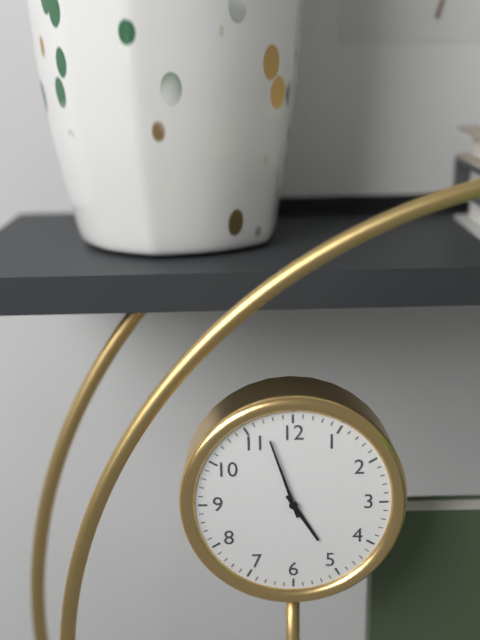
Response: **4:57**
